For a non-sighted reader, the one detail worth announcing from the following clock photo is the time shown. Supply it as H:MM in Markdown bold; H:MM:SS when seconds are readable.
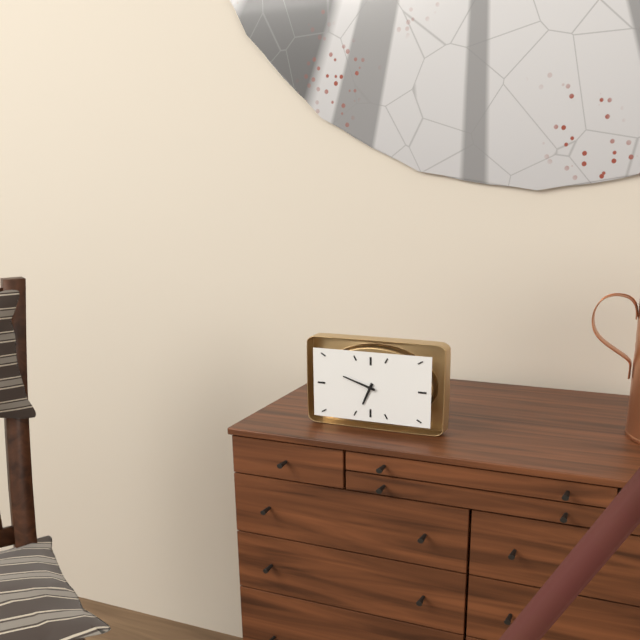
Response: **6:48**
